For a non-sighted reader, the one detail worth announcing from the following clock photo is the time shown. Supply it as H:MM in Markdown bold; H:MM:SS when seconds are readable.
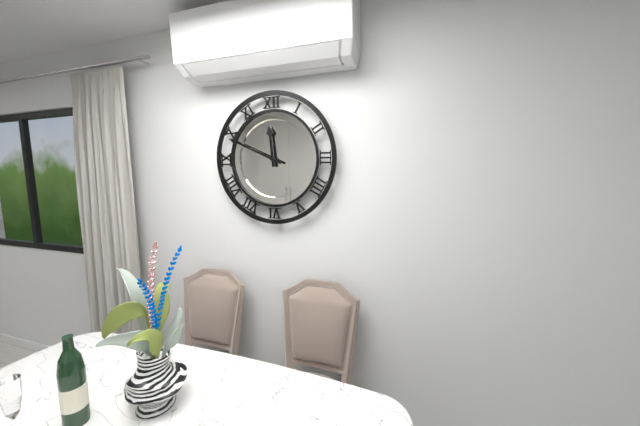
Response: **11:49**
